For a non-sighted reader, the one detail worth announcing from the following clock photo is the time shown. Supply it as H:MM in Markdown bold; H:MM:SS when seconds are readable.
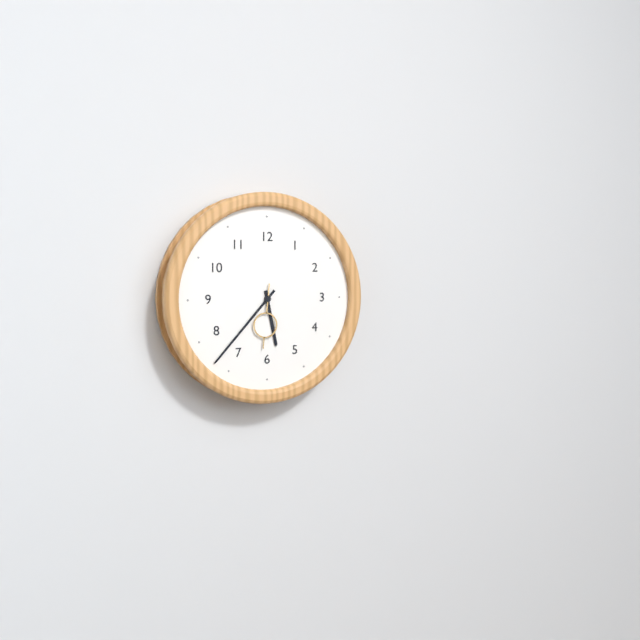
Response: **5:37:31**
